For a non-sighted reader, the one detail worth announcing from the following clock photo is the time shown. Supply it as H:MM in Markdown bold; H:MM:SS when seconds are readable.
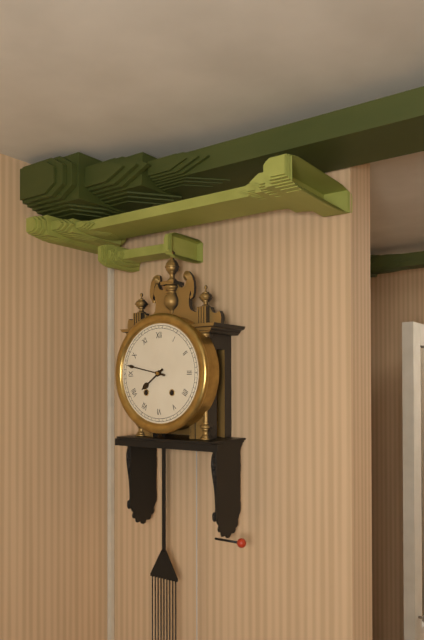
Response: **7:47**
